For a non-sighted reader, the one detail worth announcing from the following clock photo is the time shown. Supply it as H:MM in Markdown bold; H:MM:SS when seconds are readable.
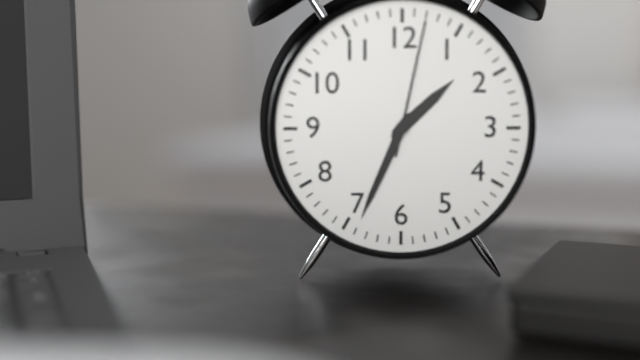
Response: **1:34:02**
